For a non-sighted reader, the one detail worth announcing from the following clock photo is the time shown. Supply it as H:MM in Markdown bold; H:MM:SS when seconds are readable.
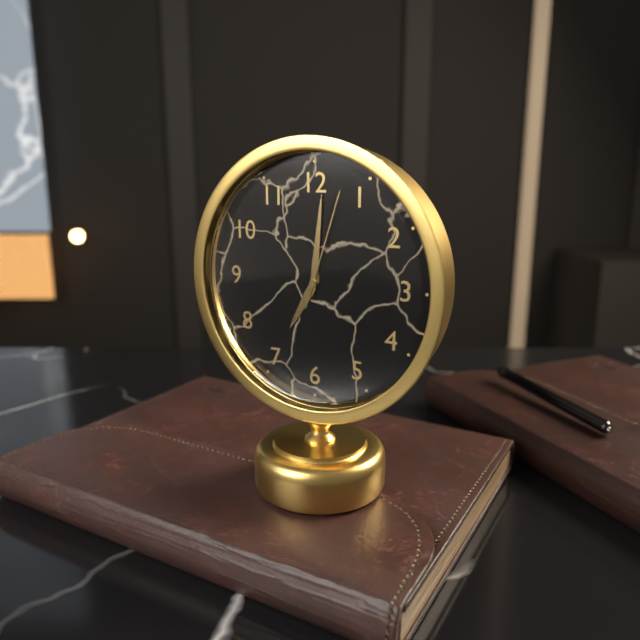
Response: **7:01:03**
